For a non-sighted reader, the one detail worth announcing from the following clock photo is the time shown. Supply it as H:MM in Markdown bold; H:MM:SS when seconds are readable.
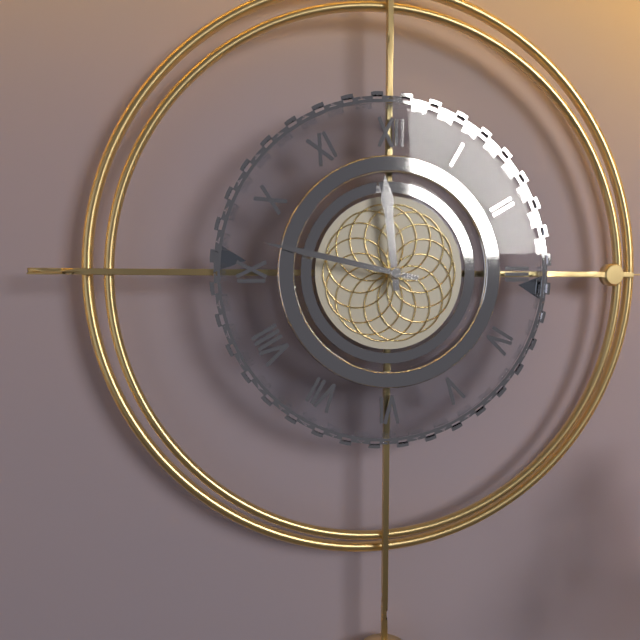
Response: **11:47**
